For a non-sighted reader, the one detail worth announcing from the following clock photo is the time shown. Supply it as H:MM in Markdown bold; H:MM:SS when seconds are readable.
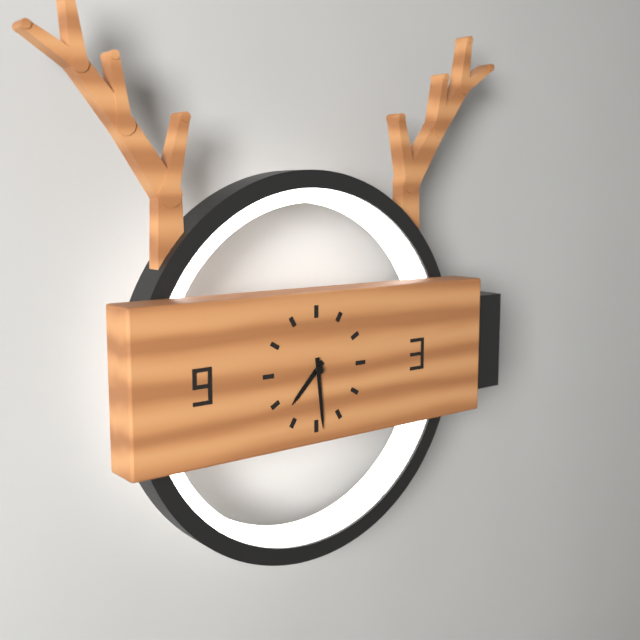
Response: **7:29**
